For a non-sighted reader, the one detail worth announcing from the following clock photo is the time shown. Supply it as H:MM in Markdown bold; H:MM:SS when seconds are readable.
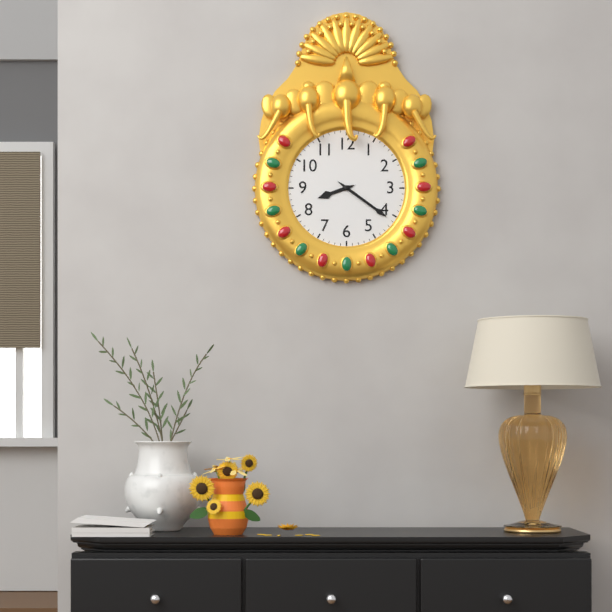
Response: **8:21**
